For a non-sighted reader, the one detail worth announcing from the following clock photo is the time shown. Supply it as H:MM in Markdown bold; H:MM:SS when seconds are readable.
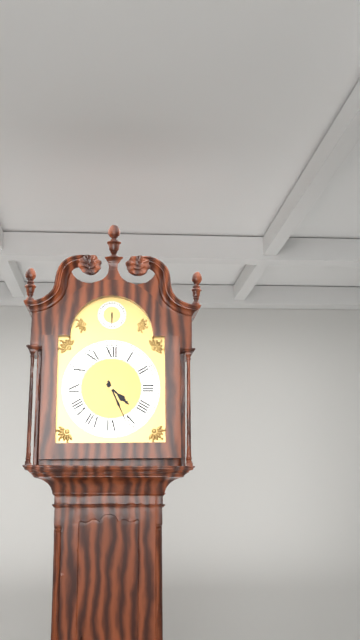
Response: **4:26**
